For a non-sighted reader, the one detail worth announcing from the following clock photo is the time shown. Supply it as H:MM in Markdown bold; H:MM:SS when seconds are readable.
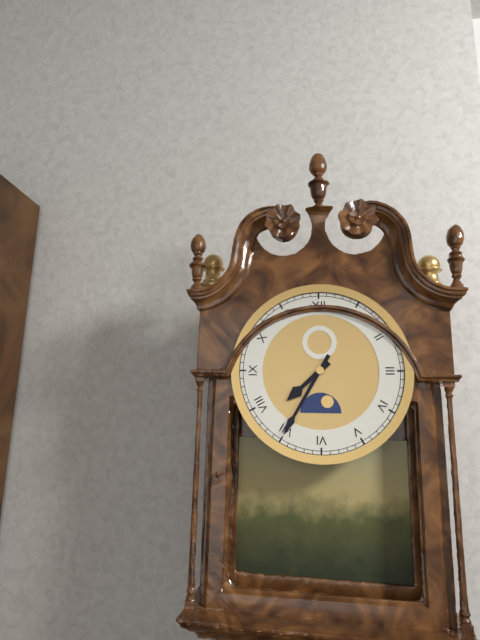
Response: **7:35**
